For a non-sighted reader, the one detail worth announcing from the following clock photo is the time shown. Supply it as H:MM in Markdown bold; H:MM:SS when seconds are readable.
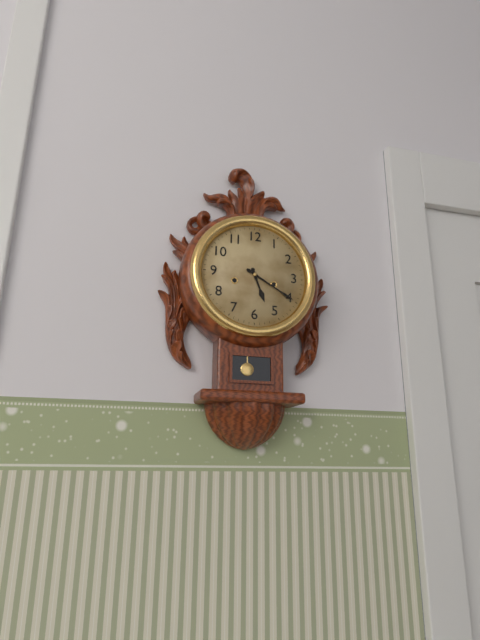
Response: **5:20**
